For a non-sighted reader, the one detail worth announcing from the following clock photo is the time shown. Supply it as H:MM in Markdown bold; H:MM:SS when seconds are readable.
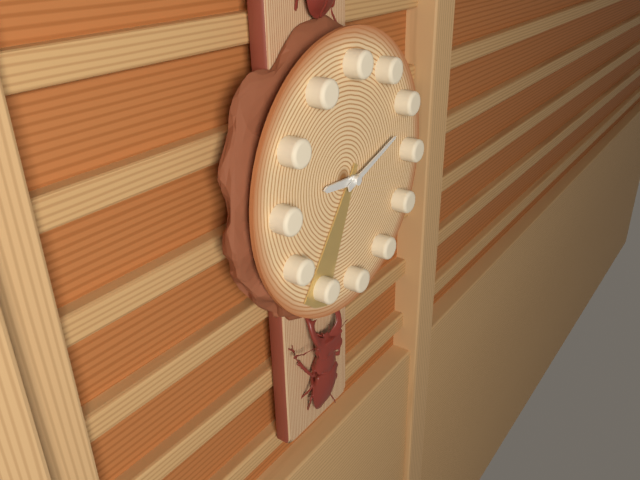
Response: **9:12:35**
